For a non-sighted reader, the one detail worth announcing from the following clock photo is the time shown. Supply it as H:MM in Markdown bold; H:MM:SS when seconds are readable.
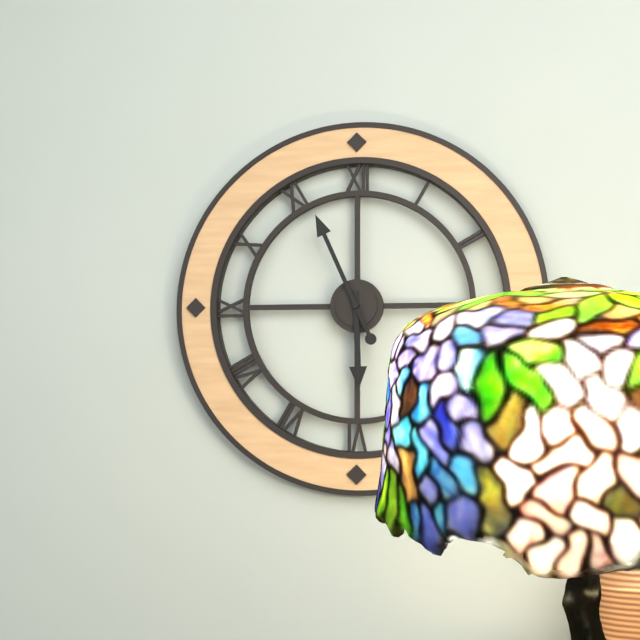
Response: **5:56**
